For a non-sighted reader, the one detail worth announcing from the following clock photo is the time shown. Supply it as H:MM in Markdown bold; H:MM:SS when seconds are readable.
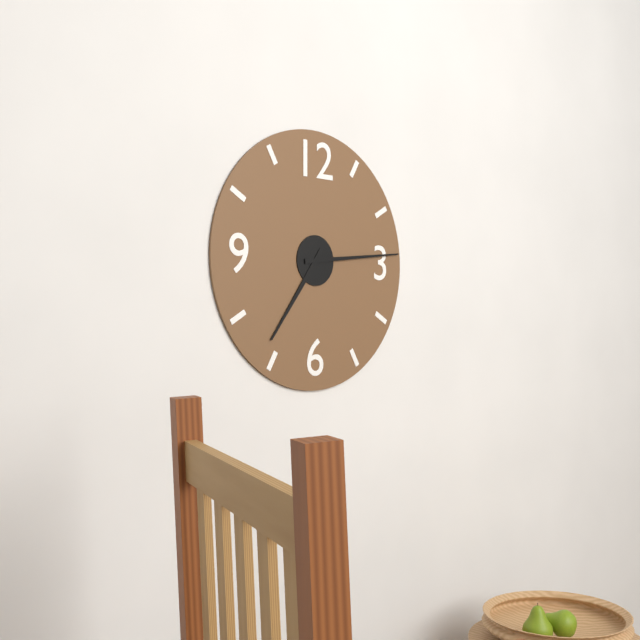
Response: **7:14**
